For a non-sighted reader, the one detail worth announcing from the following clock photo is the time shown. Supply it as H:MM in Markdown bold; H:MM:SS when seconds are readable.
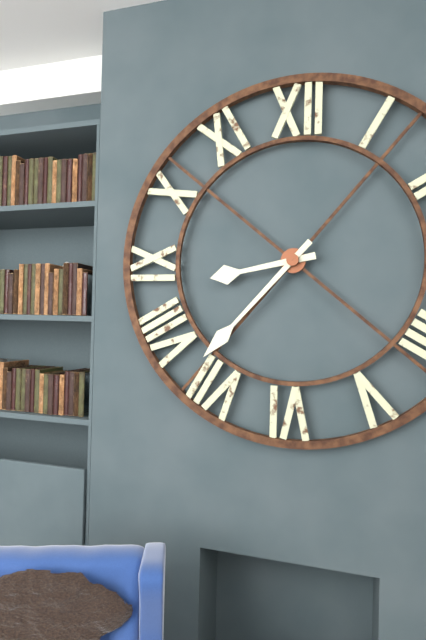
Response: **8:37**
